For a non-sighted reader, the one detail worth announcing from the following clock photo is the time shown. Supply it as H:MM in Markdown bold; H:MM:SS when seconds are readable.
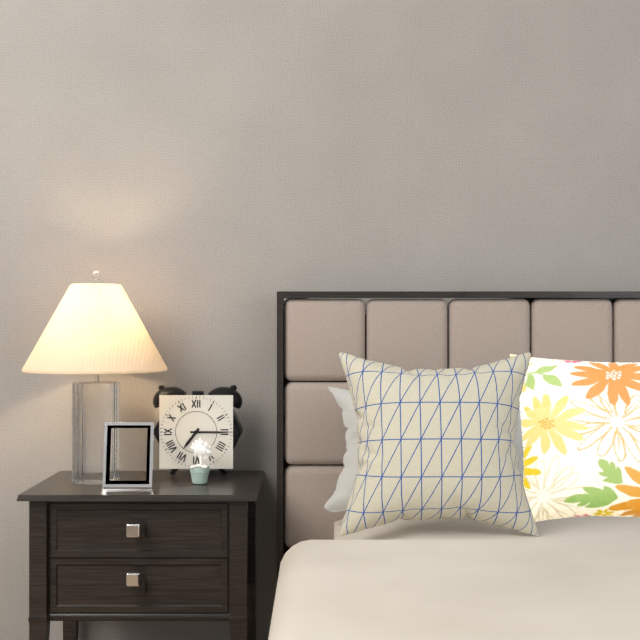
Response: **7:15**
